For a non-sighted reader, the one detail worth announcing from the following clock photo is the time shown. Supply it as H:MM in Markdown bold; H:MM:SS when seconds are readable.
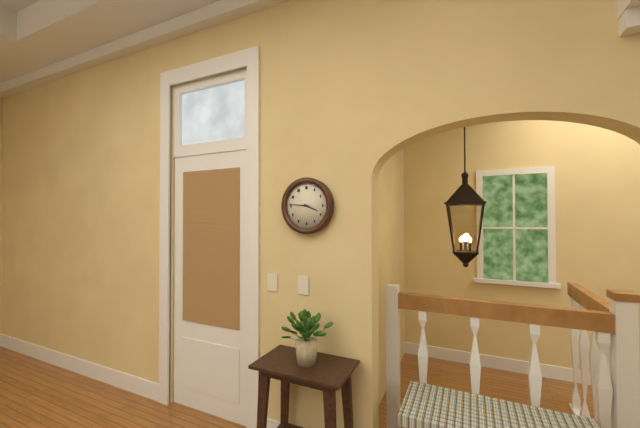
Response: **3:46**
